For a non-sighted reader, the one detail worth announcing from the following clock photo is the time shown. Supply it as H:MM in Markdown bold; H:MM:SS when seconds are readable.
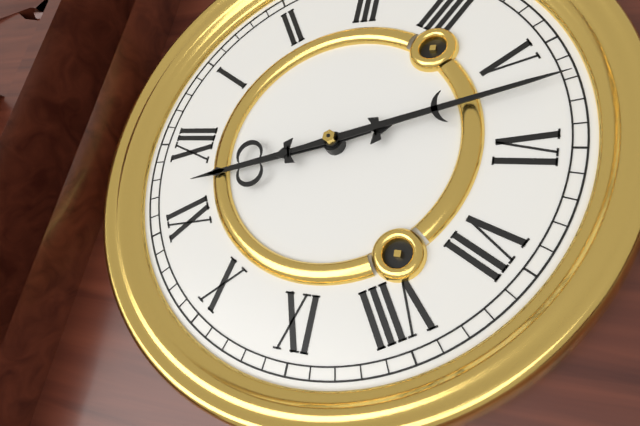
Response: **11:27**
